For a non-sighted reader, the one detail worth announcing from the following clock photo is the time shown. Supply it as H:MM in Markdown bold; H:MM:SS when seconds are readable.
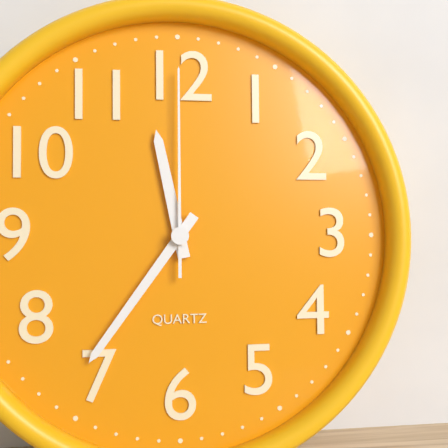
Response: **11:36:00**
